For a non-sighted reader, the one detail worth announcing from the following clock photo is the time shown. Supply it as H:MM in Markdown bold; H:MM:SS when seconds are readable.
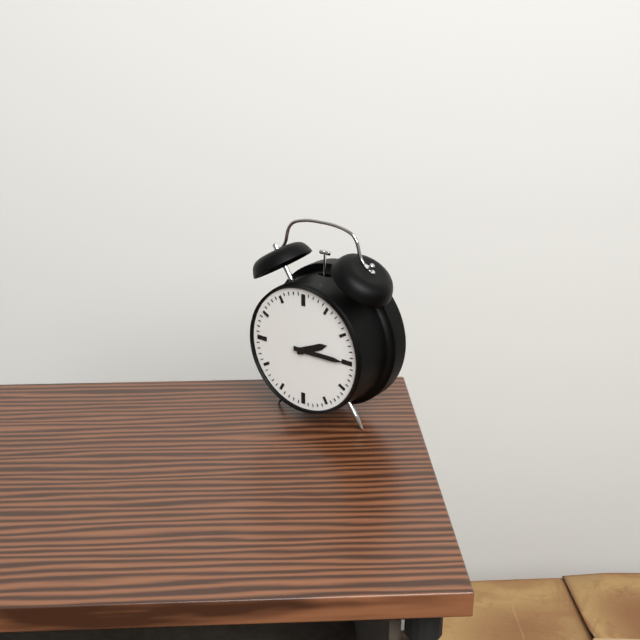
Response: **2:15**
